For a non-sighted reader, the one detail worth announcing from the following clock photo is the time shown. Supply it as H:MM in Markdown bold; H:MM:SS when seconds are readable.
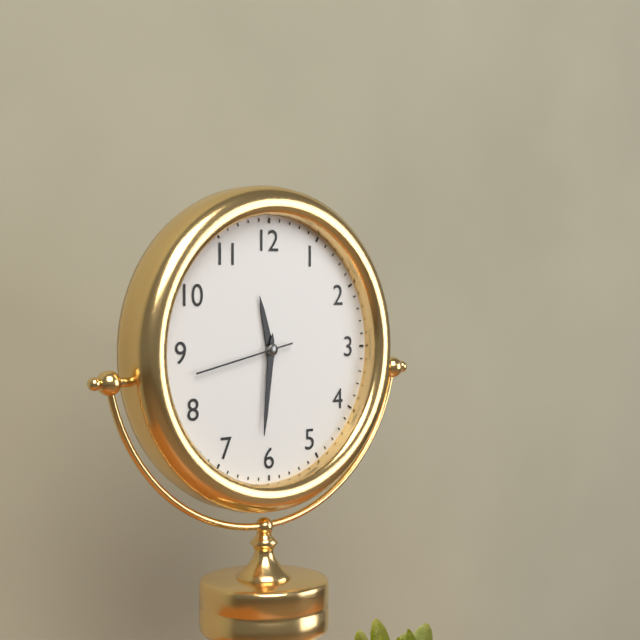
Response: **11:31:43**
